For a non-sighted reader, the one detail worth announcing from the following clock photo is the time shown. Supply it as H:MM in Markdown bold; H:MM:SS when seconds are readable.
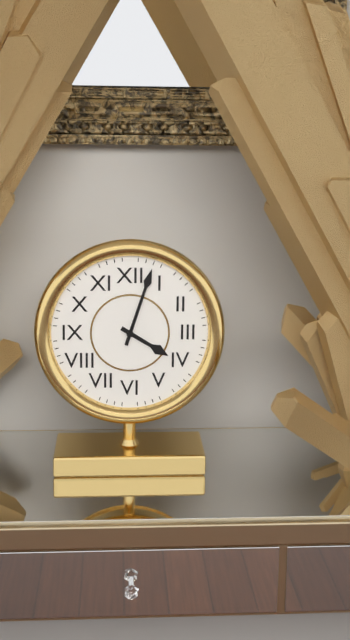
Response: **4:03**
